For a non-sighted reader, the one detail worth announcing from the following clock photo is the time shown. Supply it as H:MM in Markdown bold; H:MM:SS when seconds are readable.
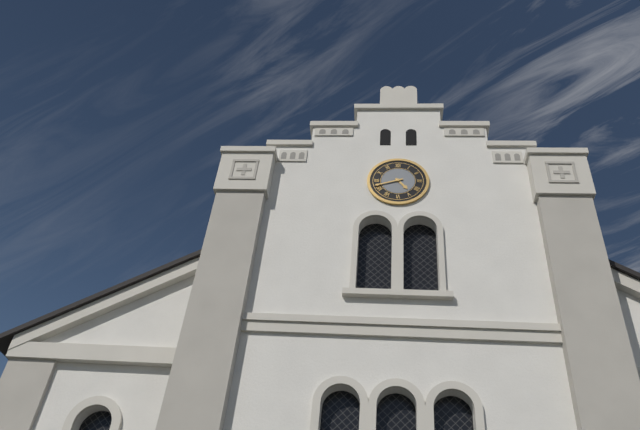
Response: **4:42**
